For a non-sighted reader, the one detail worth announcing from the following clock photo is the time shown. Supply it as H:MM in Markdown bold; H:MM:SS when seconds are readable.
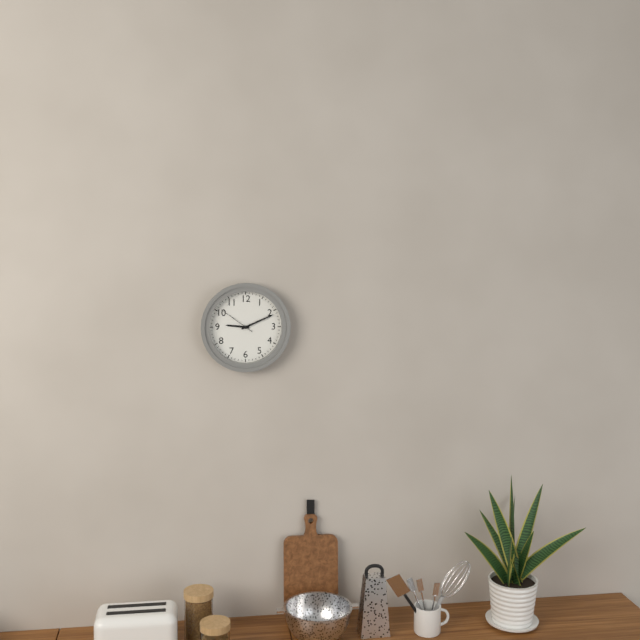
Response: **9:11**
